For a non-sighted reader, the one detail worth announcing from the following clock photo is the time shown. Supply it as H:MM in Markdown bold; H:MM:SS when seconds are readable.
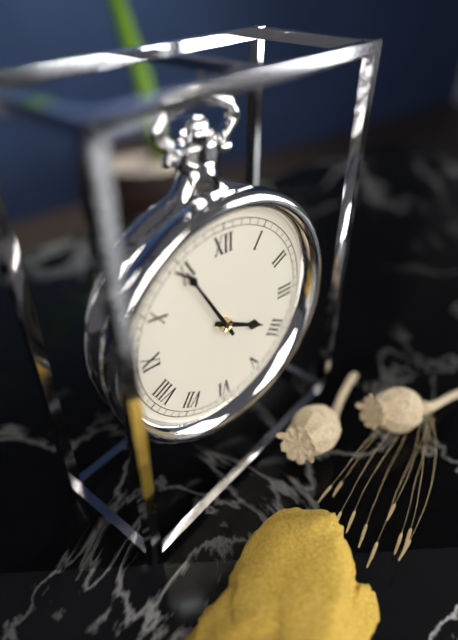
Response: **3:55**
